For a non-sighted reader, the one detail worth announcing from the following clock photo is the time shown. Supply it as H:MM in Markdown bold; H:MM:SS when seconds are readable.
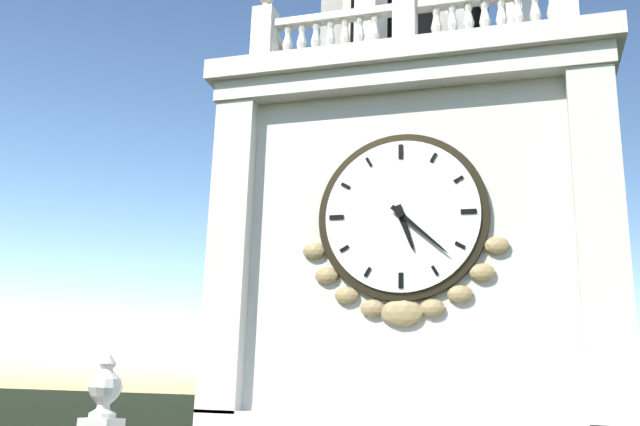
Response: **5:22**
